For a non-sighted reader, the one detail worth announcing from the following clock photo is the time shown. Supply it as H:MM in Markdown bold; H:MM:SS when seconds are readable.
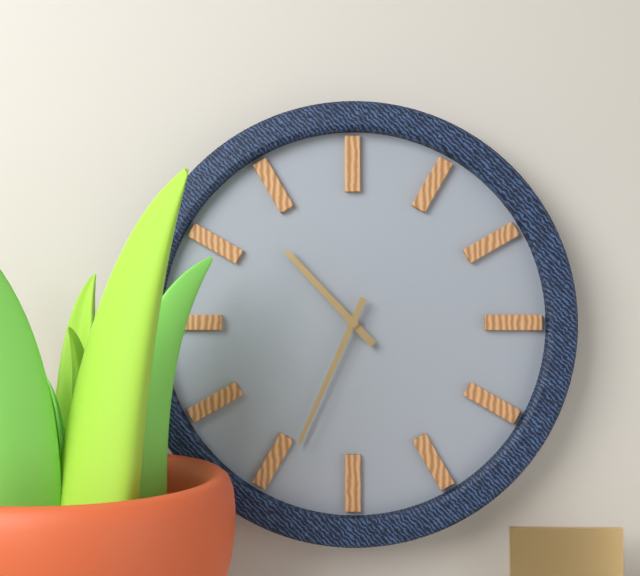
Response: **10:34**
